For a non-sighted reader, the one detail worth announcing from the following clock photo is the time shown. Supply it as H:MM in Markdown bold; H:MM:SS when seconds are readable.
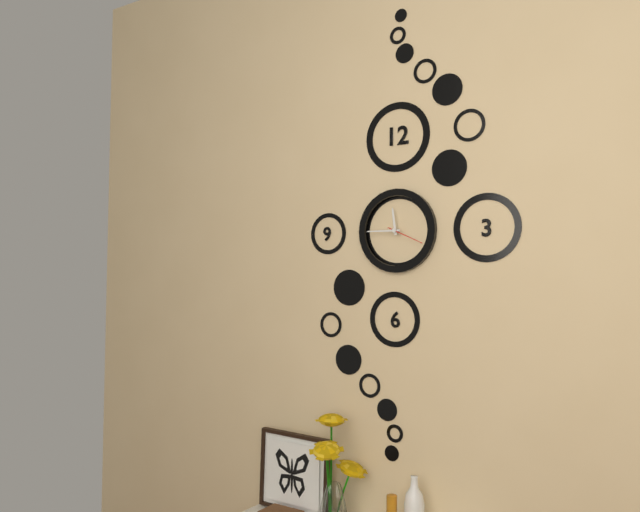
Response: **11:45**
